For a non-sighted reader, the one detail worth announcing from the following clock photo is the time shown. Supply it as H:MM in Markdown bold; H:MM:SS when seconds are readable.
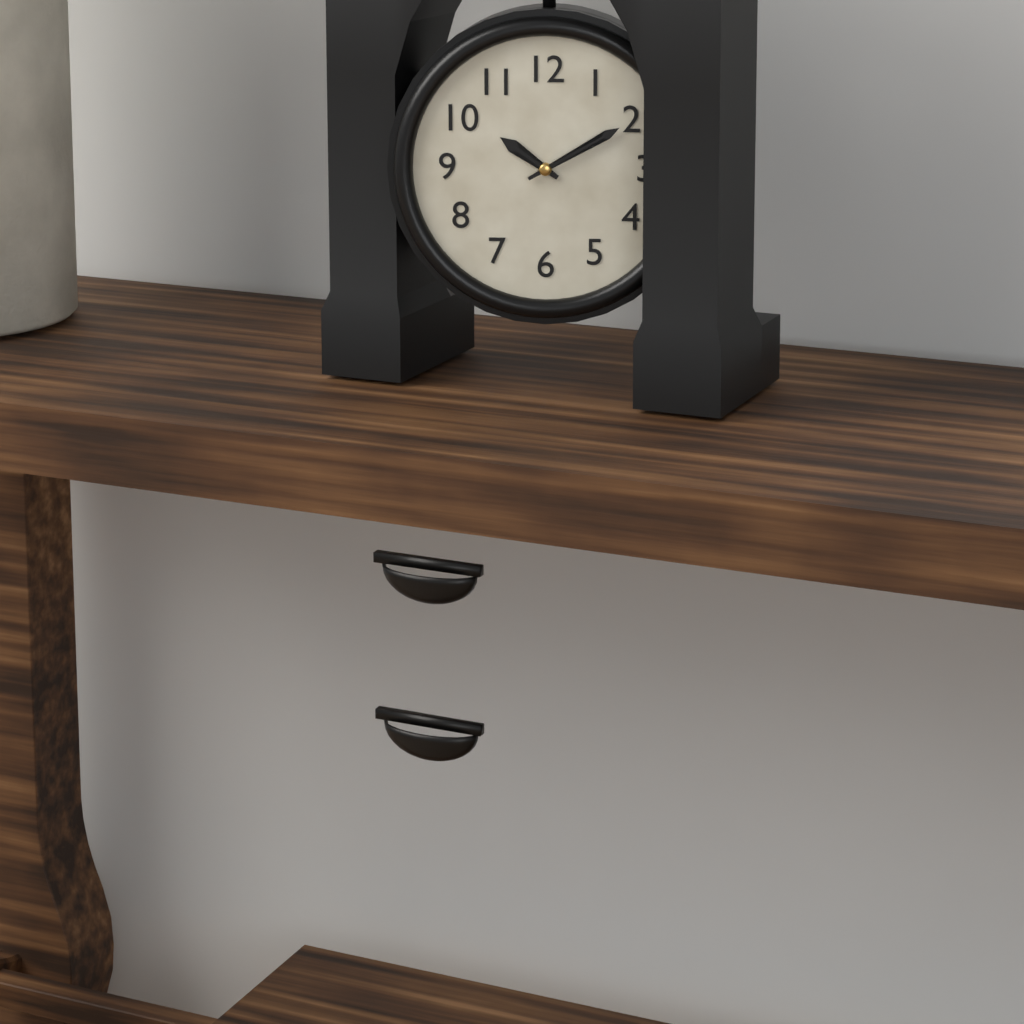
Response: **10:10**
